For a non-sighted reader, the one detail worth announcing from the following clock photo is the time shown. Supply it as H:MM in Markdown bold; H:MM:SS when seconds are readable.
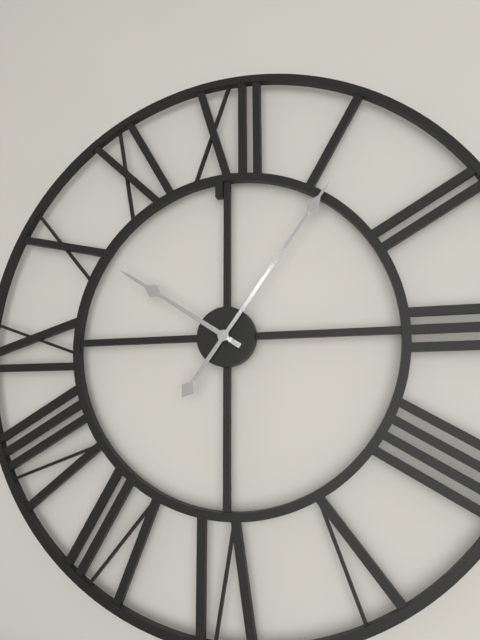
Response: **10:06**
